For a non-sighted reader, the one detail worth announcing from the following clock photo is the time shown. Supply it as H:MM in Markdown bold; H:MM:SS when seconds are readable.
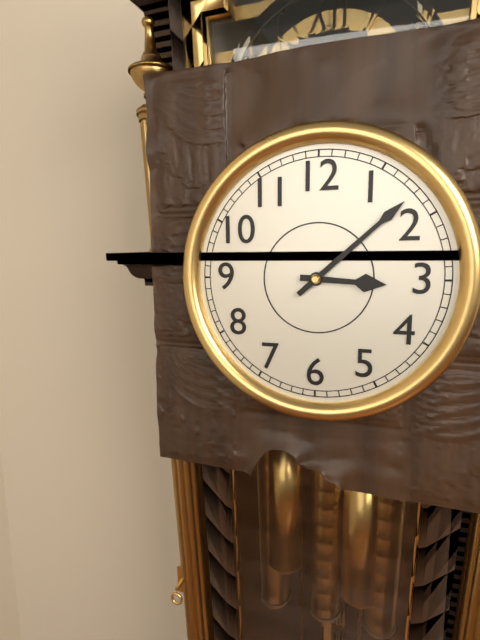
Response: **3:08**
